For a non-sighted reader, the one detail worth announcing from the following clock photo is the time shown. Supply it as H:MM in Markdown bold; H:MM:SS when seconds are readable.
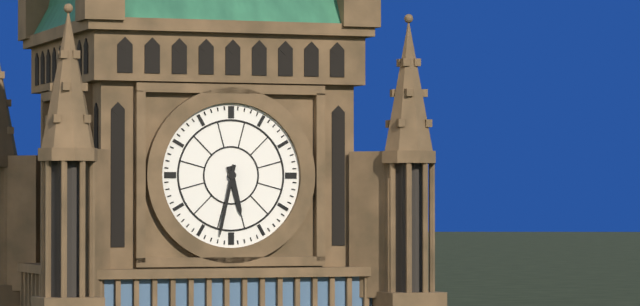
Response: **5:32**
